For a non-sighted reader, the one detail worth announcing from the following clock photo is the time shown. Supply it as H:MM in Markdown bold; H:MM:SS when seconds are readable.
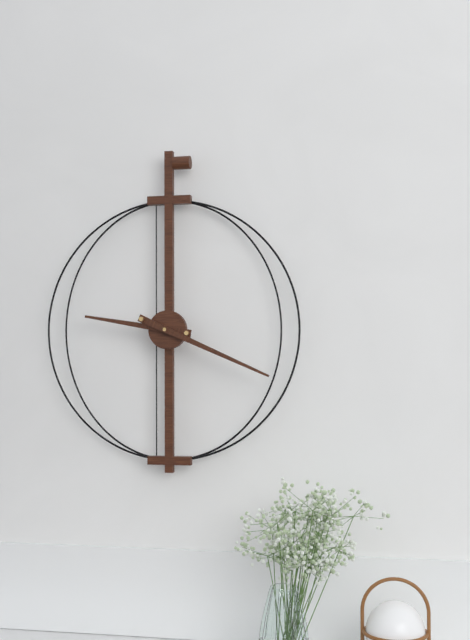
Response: **9:19**
